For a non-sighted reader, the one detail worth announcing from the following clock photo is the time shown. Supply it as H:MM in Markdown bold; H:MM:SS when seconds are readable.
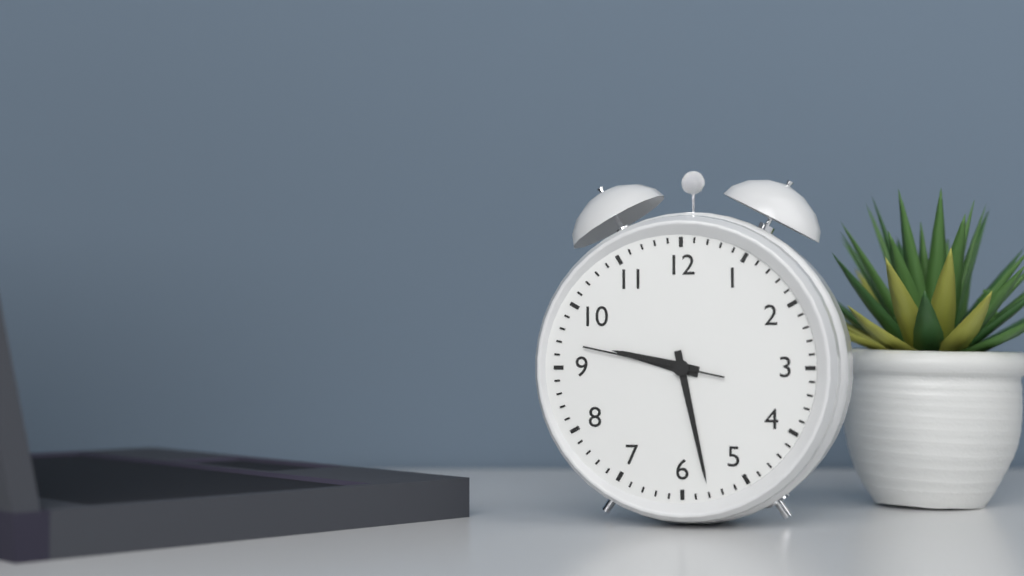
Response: **9:28:47**
